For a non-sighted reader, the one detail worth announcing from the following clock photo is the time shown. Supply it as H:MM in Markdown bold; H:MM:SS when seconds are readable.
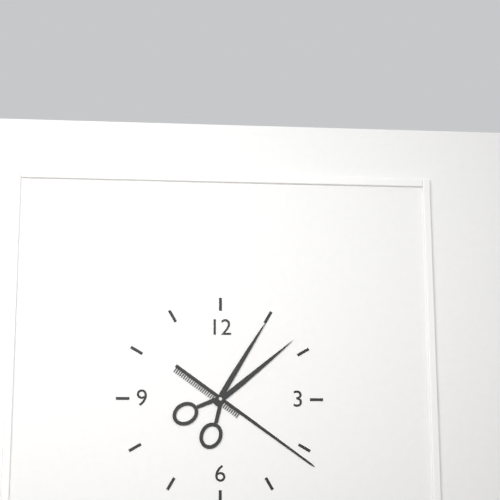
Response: **1:21**
